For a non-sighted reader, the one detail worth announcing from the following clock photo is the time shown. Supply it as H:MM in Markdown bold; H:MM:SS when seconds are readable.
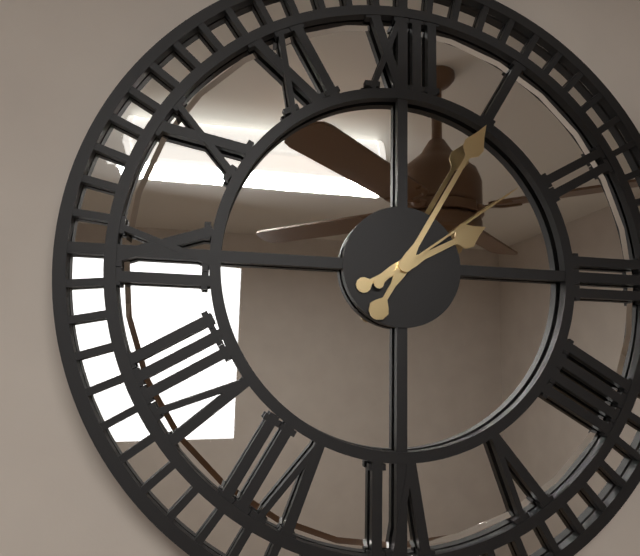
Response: **2:05:09**
